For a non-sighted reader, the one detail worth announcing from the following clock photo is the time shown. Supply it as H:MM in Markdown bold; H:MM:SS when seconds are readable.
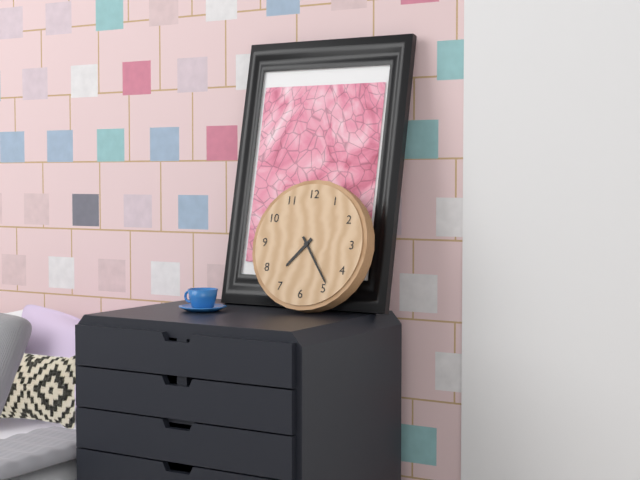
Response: **7:24**
